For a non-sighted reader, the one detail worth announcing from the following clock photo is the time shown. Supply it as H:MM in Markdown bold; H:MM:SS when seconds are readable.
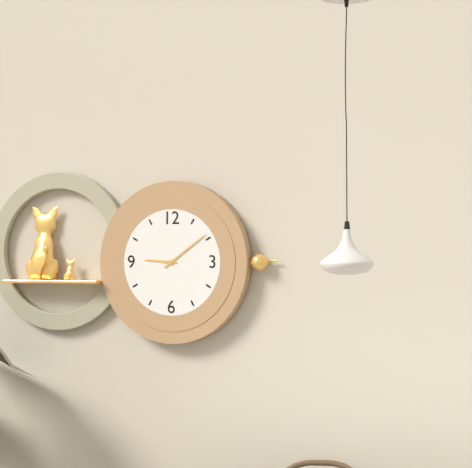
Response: **9:09**
